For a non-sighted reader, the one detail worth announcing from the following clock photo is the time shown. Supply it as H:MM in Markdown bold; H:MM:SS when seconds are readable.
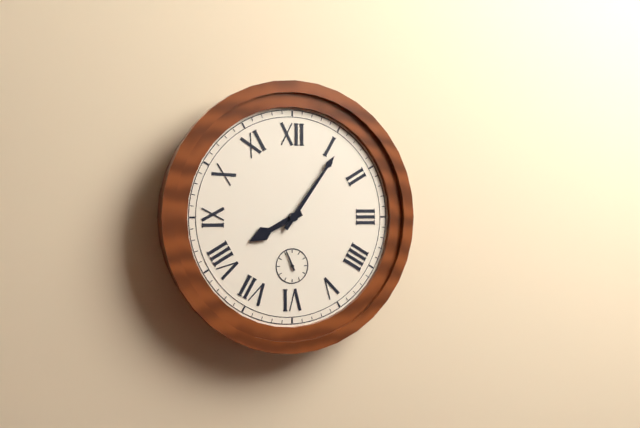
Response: **8:06**
